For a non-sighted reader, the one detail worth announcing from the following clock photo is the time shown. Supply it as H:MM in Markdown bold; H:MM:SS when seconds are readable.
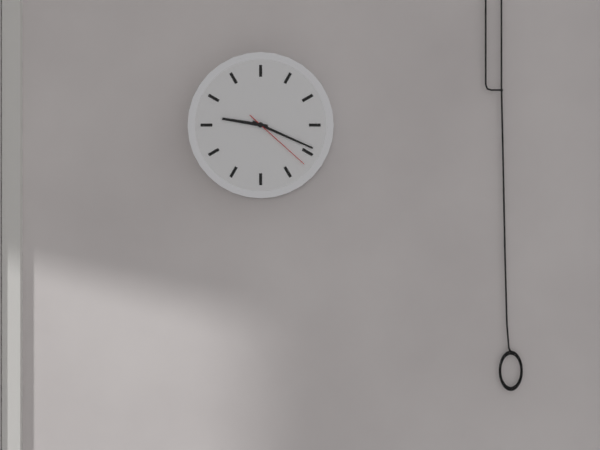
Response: **9:19:22**
